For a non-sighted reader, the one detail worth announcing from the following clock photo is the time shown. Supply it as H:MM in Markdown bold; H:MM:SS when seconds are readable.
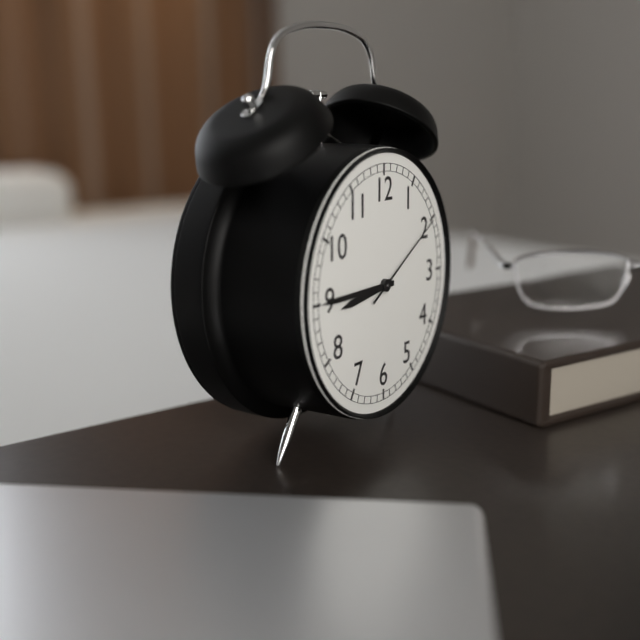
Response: **8:45:10**
